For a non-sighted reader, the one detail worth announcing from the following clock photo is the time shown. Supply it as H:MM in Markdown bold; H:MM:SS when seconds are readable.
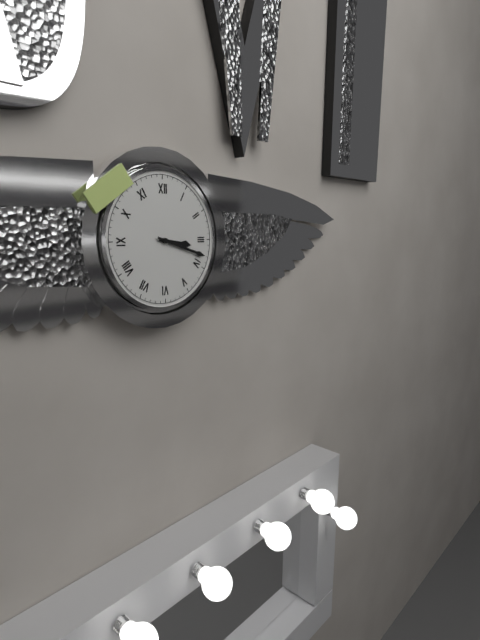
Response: **3:18**
